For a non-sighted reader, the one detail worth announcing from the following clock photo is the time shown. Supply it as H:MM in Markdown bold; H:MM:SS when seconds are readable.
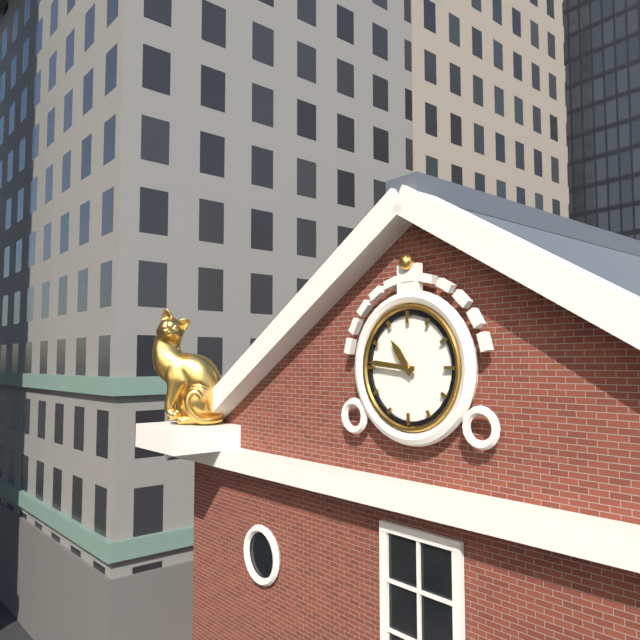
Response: **10:46**
